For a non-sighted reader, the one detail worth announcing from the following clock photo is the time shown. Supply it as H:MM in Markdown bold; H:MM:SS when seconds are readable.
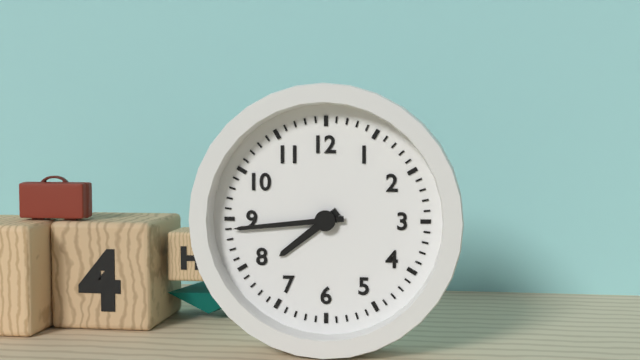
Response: **7:44**
